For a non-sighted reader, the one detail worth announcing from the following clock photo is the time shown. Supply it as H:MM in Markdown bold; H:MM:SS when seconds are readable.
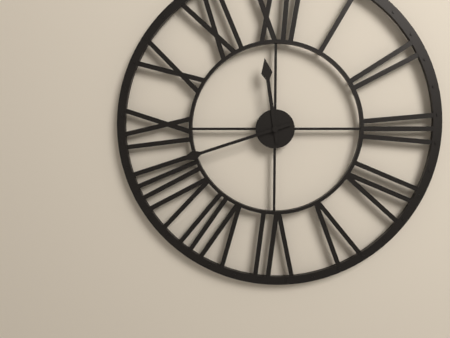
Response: **11:42**
